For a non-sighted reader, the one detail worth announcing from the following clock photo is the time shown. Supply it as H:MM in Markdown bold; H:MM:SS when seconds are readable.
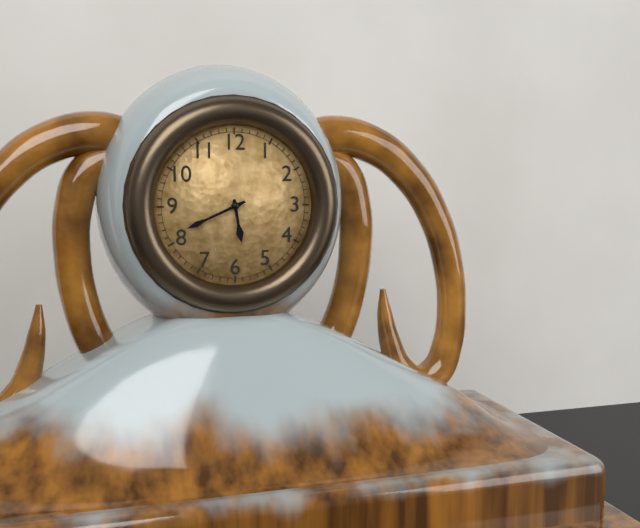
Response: **5:41**
